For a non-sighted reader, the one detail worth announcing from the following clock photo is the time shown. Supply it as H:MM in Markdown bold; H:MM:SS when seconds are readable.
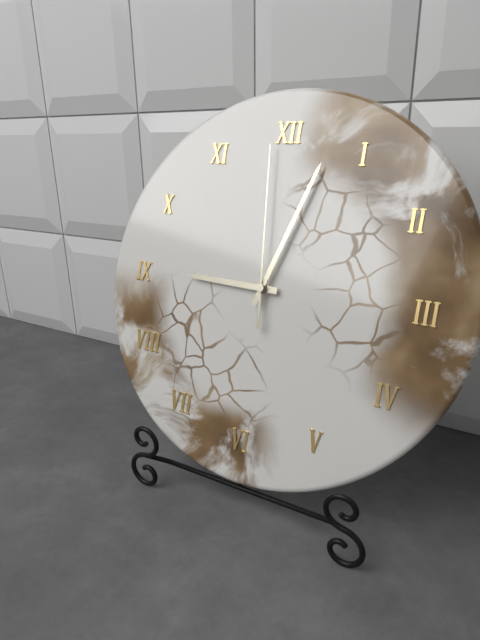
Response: **9:03:59**
